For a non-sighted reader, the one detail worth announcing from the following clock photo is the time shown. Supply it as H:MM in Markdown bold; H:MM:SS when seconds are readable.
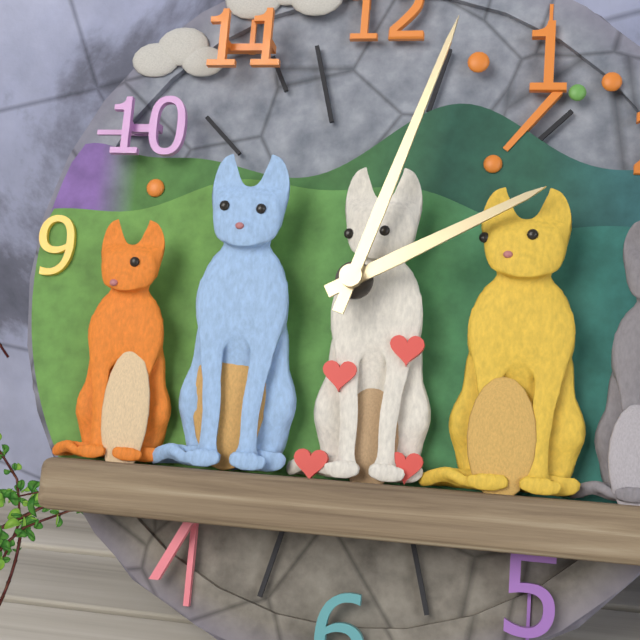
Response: **2:03**
